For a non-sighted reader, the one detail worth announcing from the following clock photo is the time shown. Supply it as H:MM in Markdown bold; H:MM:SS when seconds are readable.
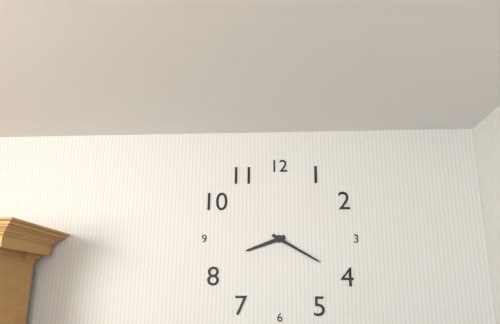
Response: **8:20**
